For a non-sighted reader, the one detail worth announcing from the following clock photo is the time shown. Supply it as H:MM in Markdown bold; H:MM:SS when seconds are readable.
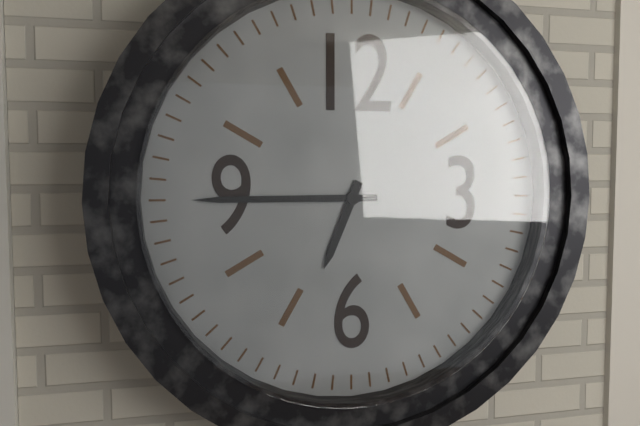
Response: **6:45**
